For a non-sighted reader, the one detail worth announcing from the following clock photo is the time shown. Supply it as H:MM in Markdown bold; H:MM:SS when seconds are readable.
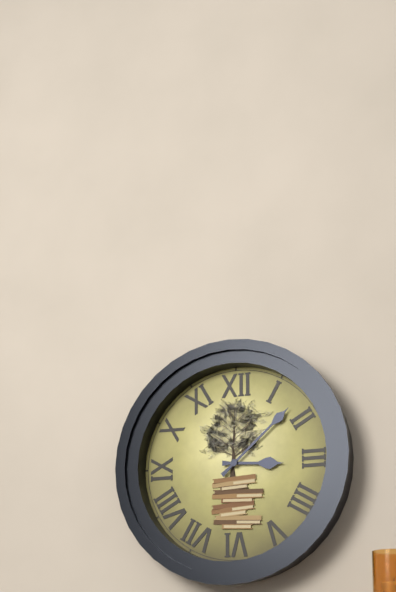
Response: **3:08**
